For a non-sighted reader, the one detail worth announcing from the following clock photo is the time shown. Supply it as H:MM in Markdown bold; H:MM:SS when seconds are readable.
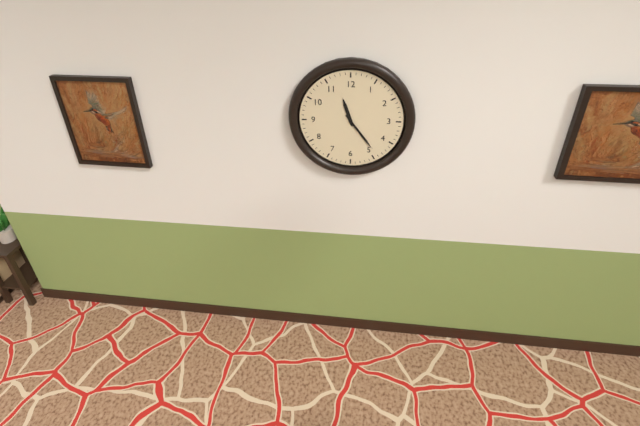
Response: **11:24**
